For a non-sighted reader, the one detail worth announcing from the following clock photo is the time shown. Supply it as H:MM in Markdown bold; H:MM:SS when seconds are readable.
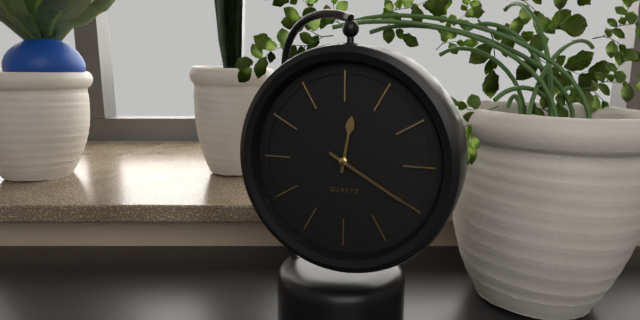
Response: **12:20**
